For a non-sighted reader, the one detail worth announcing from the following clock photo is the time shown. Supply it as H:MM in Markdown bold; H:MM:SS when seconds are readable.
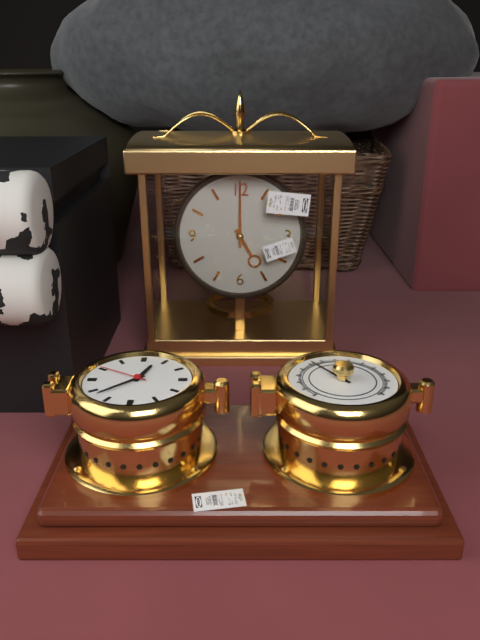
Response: **5:00**
